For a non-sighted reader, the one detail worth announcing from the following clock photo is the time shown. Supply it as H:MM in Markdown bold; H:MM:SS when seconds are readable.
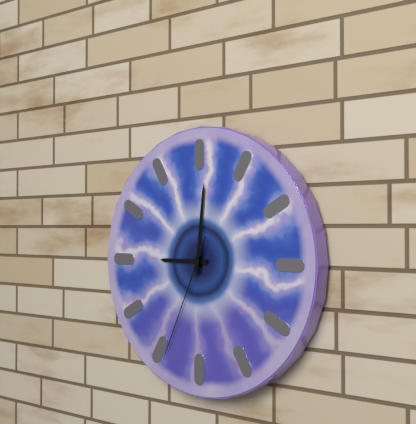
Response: **9:01:34**
